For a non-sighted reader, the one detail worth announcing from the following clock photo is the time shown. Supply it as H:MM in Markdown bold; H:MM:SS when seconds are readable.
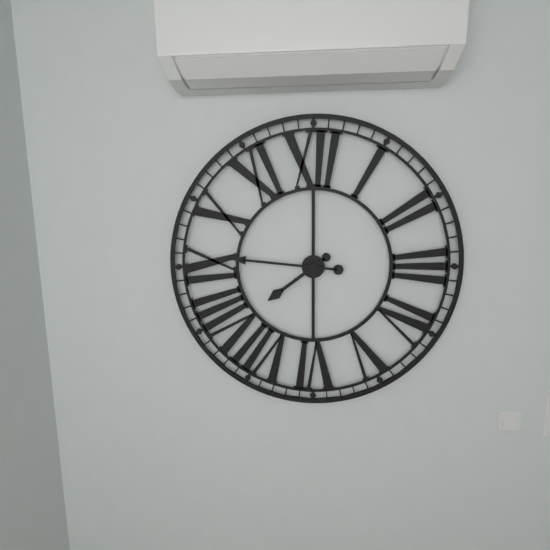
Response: **7:46**
